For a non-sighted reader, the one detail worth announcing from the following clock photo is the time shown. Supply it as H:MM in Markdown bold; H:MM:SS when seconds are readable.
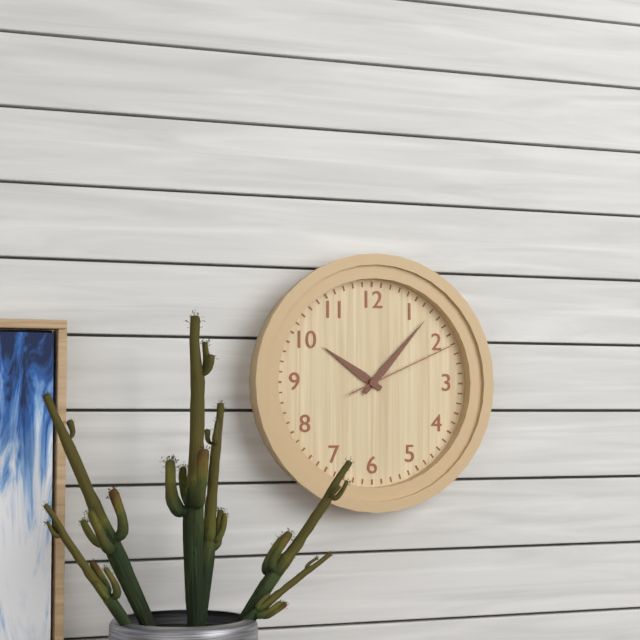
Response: **10:07:11**
